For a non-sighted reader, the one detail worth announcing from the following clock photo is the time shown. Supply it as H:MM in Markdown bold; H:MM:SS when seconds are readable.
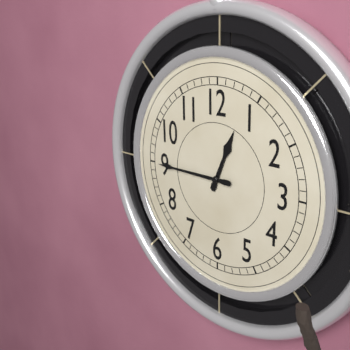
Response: **12:45**
